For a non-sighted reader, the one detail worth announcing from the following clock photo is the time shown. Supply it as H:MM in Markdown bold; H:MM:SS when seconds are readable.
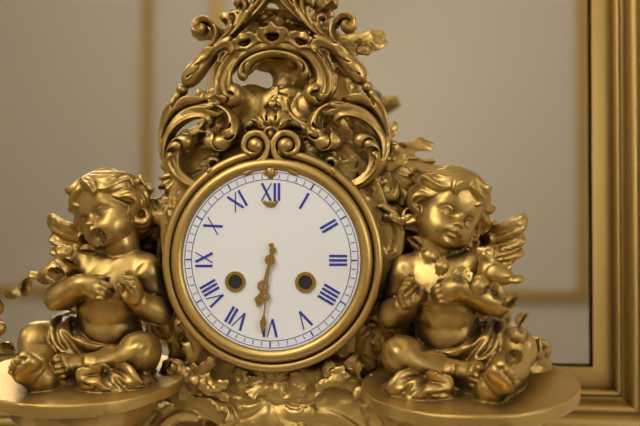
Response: **6:31**
